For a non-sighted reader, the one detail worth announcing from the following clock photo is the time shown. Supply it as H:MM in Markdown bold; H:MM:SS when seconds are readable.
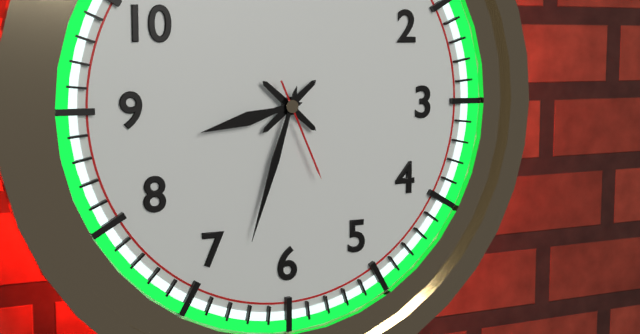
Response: **8:33:26**
